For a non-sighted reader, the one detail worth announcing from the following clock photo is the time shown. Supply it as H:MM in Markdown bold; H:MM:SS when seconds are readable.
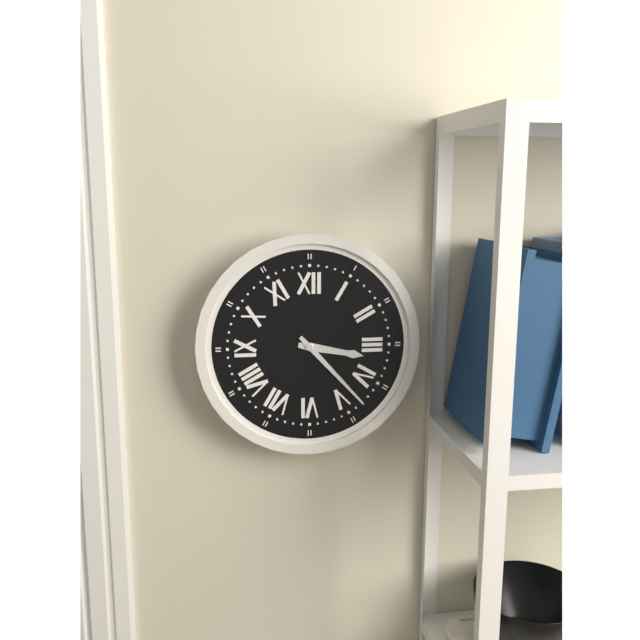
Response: **3:23**
